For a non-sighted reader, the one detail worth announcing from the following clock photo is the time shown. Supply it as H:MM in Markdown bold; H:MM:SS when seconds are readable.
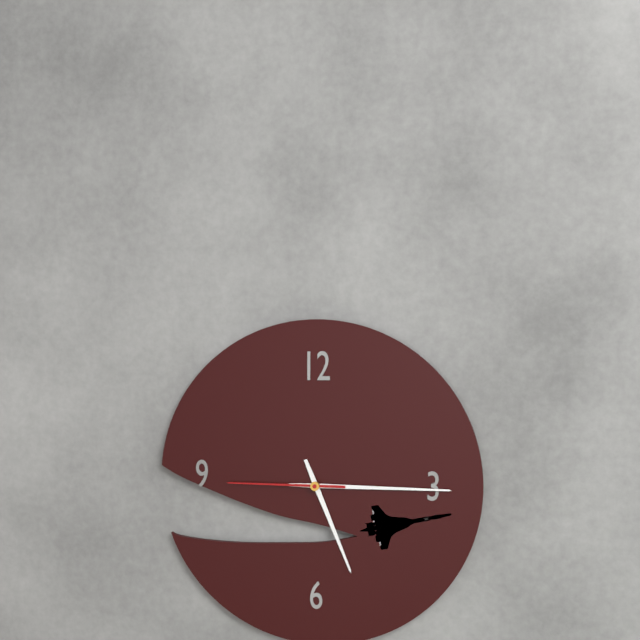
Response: **5:15:45**
